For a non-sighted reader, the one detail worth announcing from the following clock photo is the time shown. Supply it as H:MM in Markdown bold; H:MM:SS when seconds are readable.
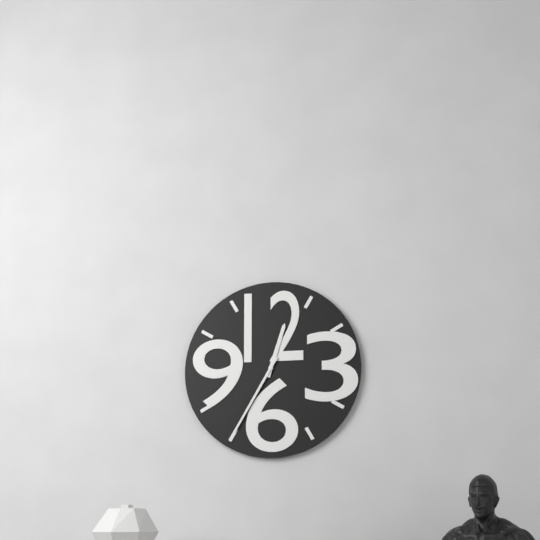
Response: **12:35**
